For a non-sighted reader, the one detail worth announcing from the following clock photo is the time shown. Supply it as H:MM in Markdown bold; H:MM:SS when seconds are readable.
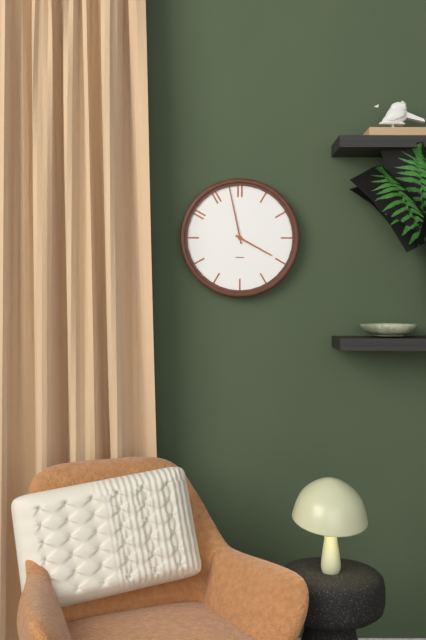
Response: **3:58**
